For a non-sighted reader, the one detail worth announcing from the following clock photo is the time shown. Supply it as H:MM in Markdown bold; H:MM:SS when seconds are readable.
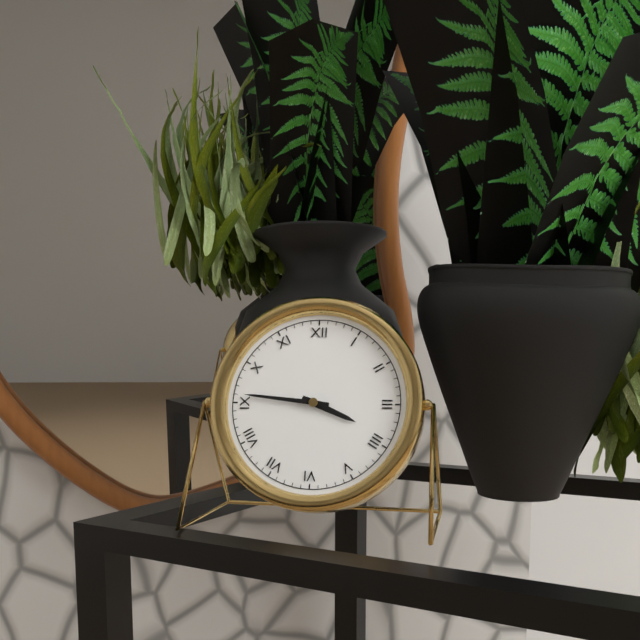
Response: **3:46**
